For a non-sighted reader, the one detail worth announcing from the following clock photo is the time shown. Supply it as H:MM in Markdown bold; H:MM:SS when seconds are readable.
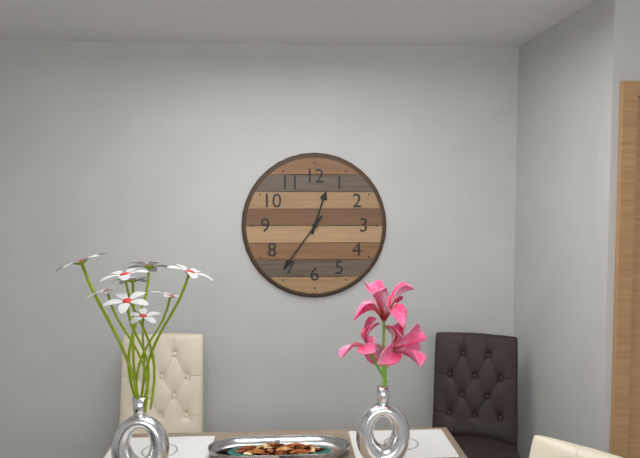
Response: **12:36**
